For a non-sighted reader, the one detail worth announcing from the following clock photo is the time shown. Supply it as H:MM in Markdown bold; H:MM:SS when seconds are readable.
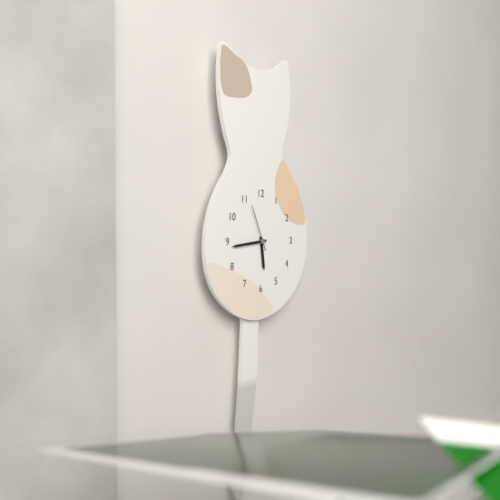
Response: **5:44**
